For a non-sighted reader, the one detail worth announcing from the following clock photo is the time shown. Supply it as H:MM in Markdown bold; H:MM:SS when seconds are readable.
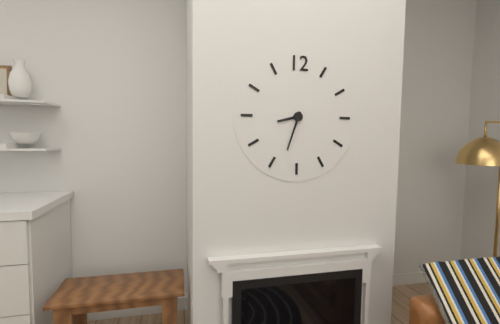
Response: **8:33**
